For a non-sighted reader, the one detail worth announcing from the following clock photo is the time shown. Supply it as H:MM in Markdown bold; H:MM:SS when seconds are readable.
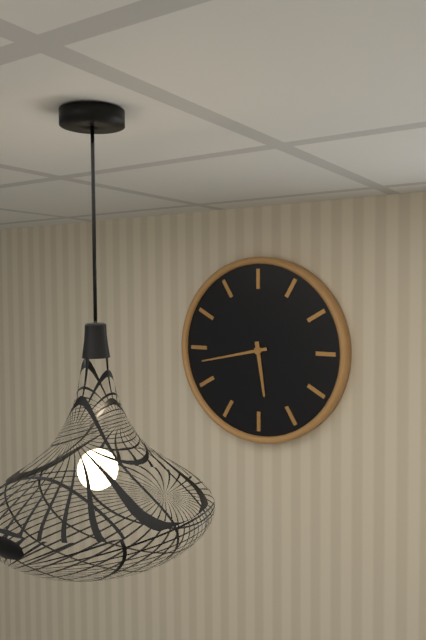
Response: **5:43**
